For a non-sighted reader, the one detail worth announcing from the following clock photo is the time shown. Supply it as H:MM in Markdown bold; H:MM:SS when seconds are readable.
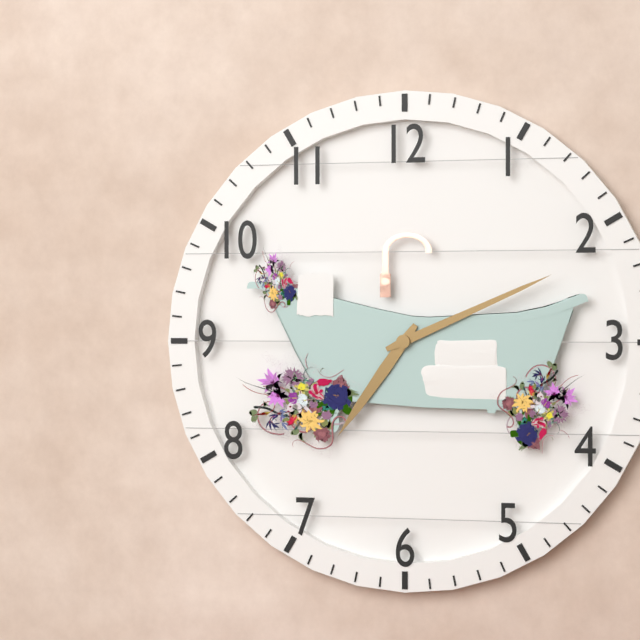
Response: **7:11**
